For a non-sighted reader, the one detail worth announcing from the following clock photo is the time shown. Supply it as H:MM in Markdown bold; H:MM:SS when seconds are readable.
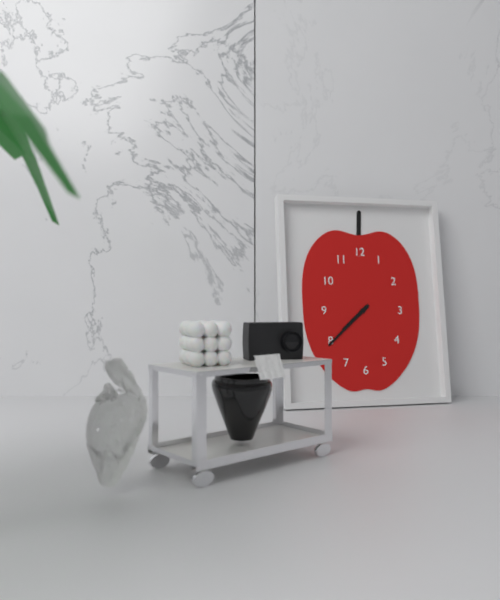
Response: **7:38**
